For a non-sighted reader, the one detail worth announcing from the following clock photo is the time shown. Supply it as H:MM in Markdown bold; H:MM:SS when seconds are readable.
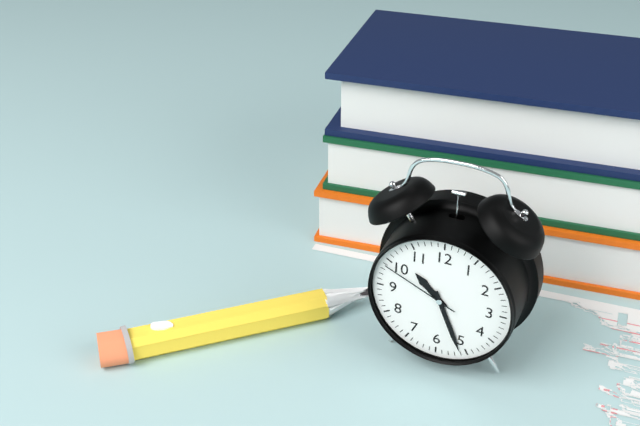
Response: **10:26:49**
